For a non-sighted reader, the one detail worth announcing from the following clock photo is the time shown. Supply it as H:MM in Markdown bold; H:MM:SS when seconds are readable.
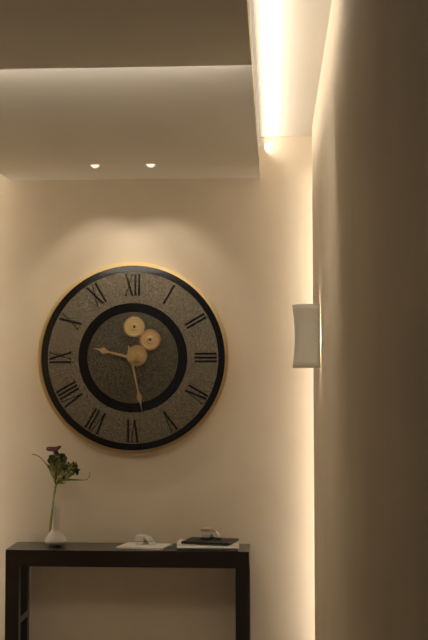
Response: **9:28**
